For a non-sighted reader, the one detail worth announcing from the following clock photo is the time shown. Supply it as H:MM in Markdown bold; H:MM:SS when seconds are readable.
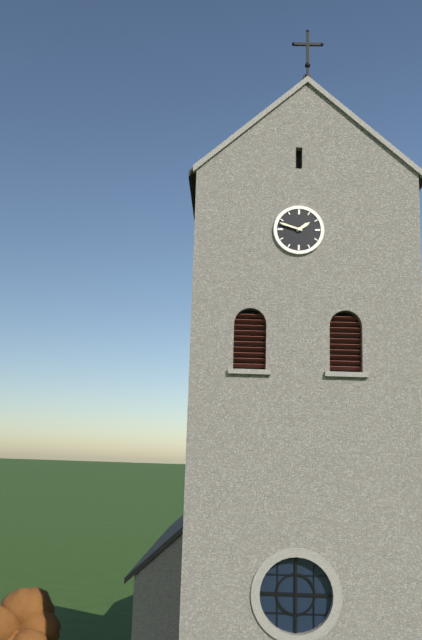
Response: **1:48**
